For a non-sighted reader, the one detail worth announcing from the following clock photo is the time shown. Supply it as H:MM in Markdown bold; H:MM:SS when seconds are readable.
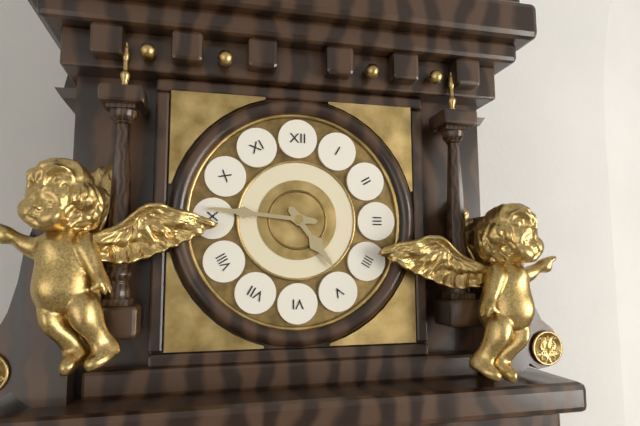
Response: **4:46**
